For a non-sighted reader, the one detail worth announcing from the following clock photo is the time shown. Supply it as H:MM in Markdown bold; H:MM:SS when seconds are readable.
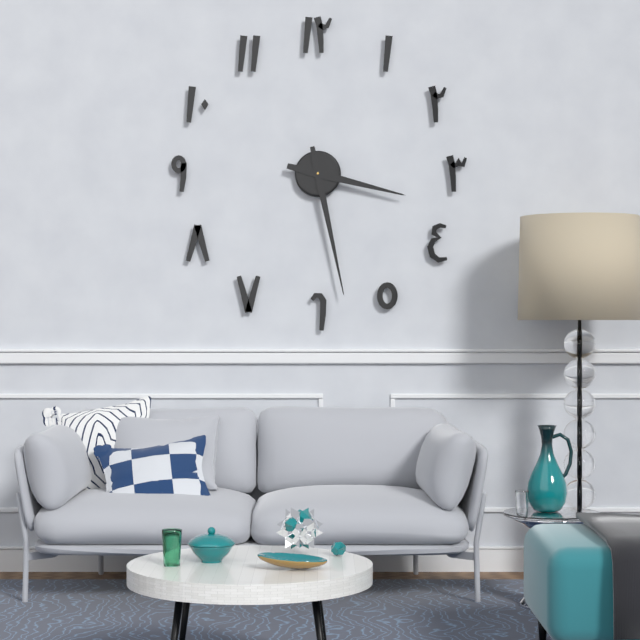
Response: **3:28**
